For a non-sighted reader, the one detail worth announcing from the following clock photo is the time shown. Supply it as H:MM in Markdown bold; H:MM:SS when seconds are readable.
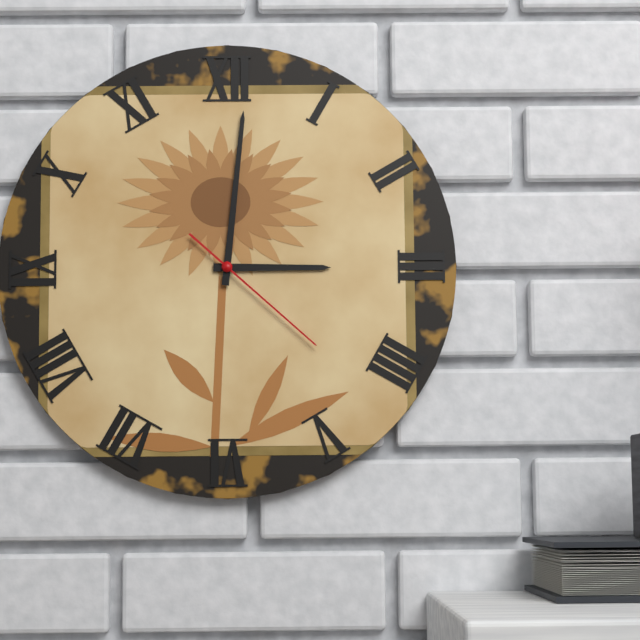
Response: **3:01:22**
